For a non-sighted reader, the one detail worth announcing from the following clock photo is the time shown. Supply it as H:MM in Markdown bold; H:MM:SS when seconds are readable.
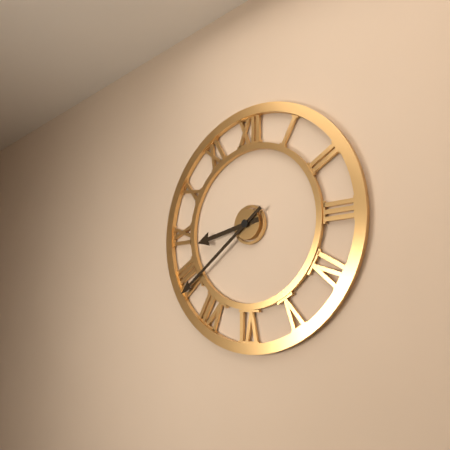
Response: **8:39**
